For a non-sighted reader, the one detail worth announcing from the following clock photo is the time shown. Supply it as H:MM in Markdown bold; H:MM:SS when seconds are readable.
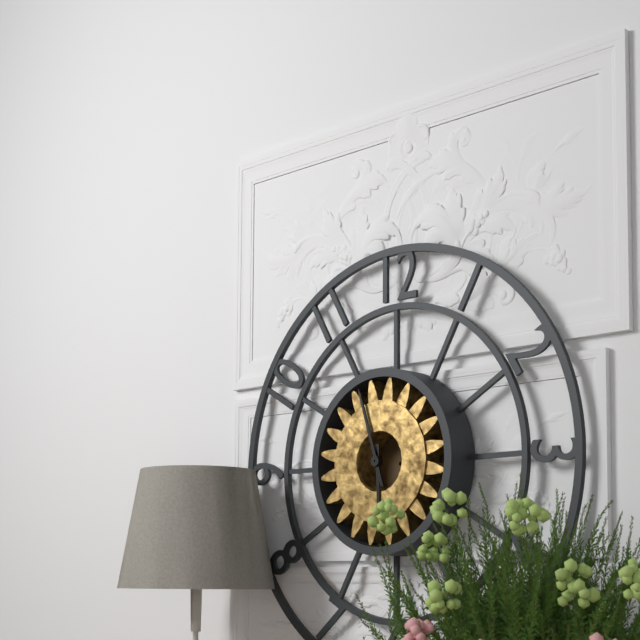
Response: **5:57**
